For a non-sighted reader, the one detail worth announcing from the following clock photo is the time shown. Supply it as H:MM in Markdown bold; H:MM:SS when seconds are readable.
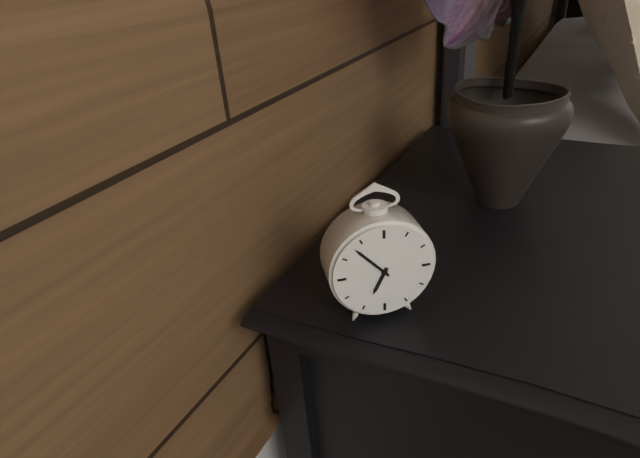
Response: **6:53**
